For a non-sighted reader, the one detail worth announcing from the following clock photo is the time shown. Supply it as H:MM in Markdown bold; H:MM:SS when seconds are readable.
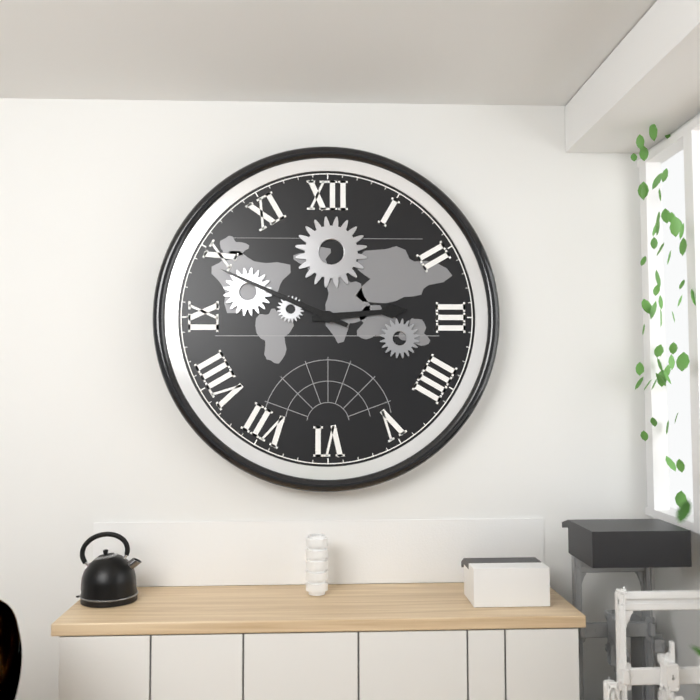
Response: **2:49**
